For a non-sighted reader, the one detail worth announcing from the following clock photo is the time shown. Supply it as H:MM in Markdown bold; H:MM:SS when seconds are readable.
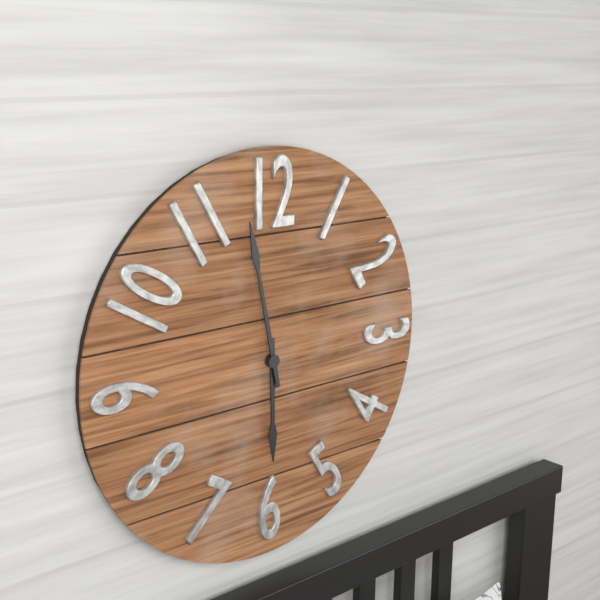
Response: **5:58**
